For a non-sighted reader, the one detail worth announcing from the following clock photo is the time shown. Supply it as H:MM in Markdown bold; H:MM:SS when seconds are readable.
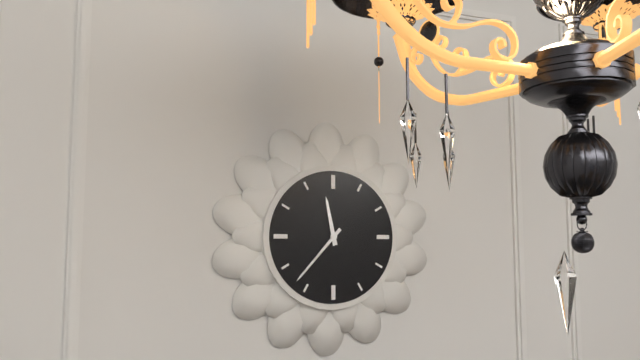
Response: **11:37**
